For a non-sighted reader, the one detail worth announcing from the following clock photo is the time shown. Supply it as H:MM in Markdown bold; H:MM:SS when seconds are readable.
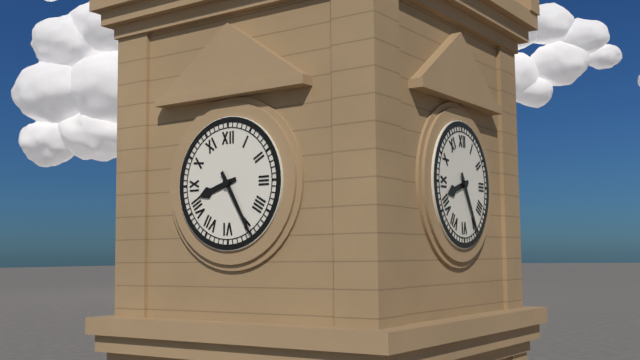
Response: **8:25**
